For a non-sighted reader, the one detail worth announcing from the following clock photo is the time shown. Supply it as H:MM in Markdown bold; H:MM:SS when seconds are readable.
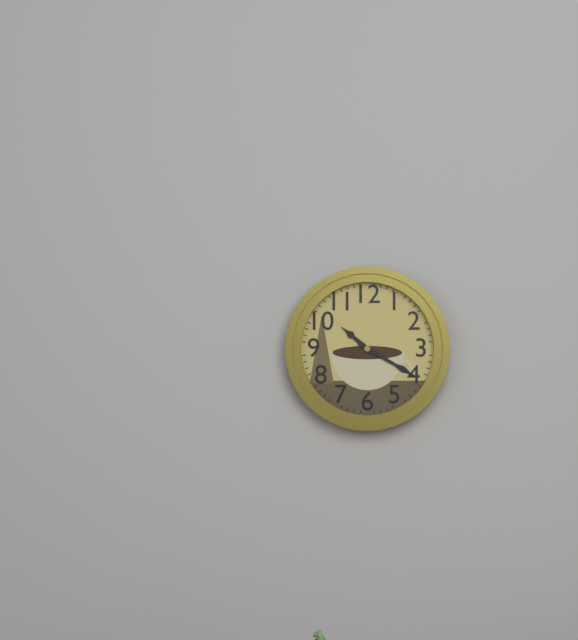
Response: **10:20**
